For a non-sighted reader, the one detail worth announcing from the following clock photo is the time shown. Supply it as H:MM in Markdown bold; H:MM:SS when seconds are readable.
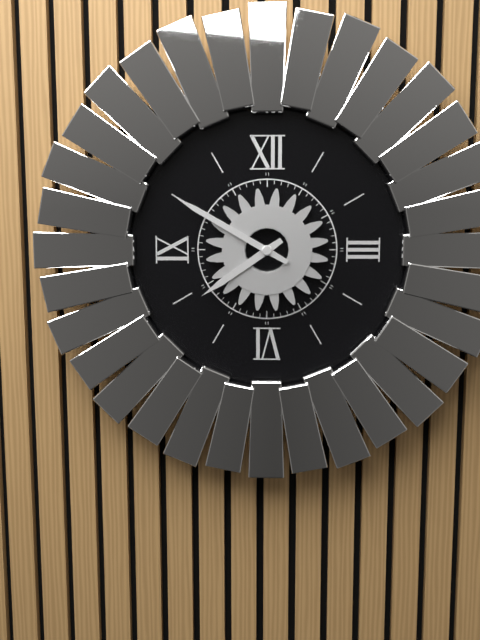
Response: **7:50**
